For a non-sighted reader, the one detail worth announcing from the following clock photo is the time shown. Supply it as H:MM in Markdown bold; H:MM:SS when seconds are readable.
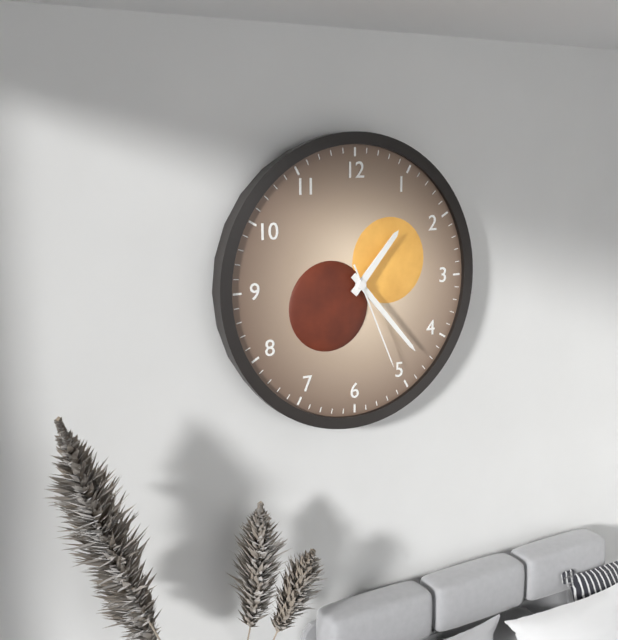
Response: **1:23:26**
